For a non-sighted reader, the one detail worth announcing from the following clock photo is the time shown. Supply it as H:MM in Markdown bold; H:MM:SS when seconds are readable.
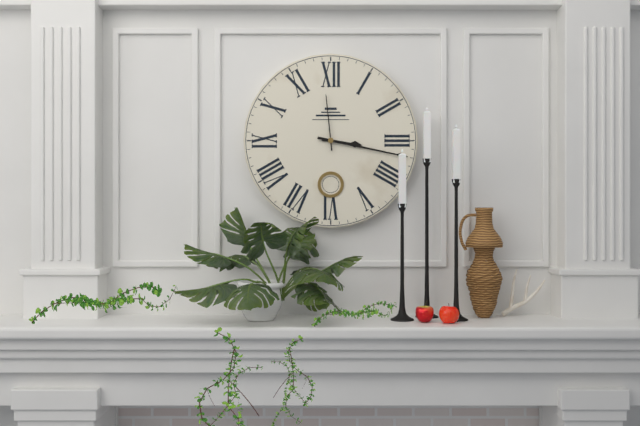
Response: **3:17:59**
